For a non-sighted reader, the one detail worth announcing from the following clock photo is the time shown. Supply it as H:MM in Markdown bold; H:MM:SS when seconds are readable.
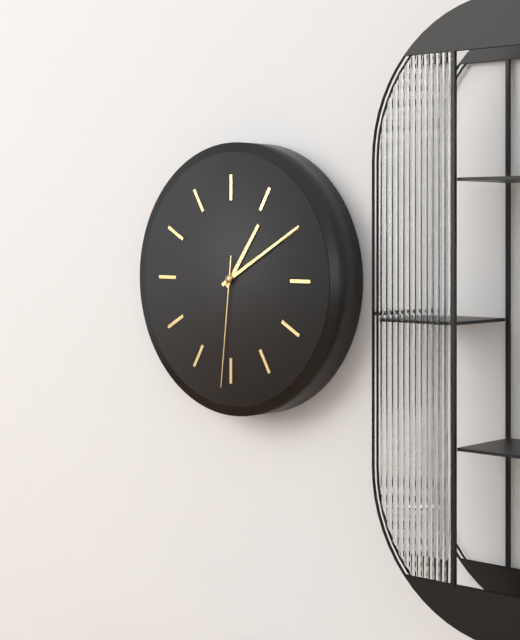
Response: **1:10:31**
